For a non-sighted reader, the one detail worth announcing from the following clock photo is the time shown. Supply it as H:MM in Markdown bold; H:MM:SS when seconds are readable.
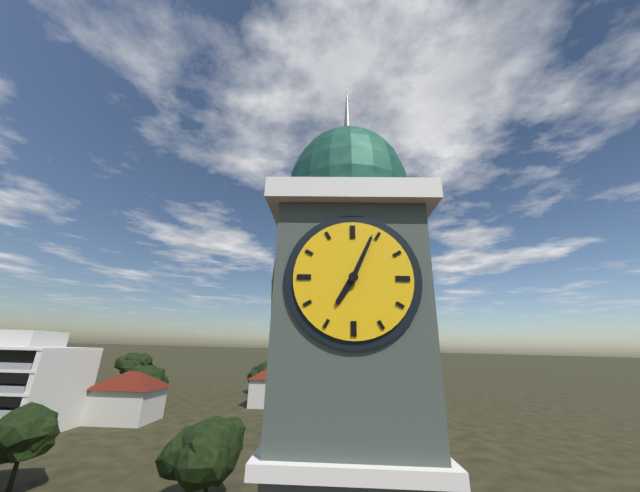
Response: **7:04**
